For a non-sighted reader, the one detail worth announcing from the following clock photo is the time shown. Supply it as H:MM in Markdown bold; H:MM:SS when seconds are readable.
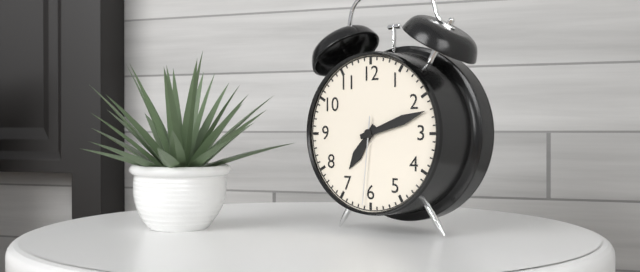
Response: **7:12:31**
